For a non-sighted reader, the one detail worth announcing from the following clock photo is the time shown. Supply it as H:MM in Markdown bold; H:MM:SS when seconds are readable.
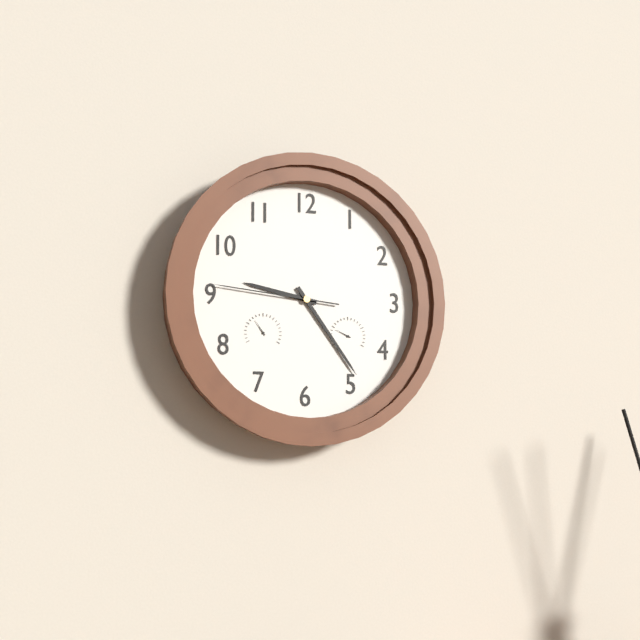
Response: **9:24:46**
